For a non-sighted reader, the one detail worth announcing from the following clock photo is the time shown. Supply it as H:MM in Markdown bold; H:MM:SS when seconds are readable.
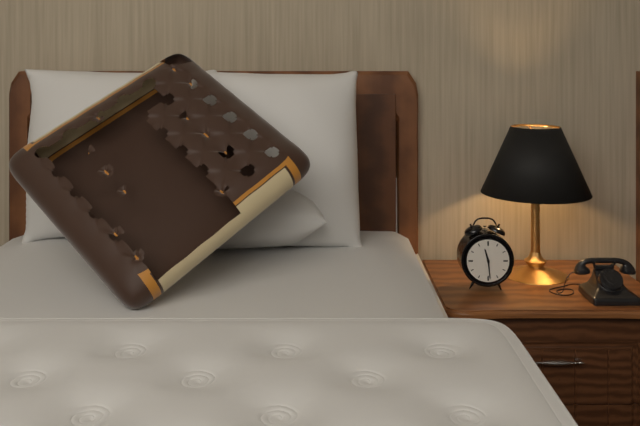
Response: **11:29**
